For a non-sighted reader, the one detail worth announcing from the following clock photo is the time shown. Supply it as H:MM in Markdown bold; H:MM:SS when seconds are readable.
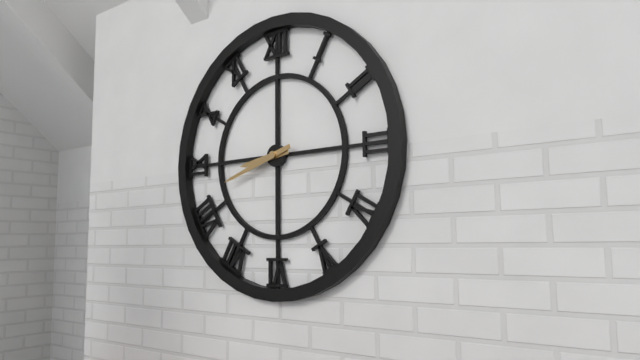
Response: **8:42**
